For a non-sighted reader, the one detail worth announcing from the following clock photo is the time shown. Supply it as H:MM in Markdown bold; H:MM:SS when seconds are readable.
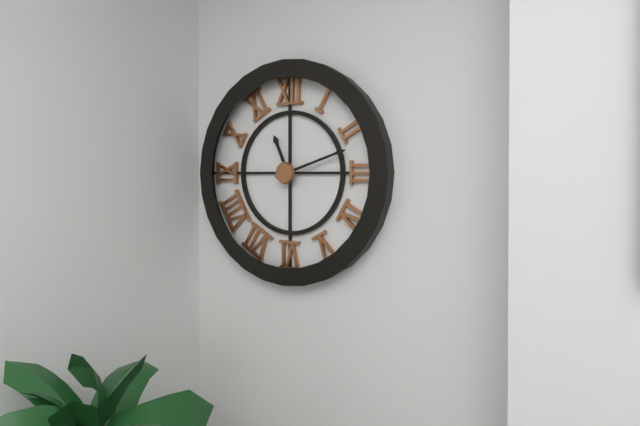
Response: **11:12**
